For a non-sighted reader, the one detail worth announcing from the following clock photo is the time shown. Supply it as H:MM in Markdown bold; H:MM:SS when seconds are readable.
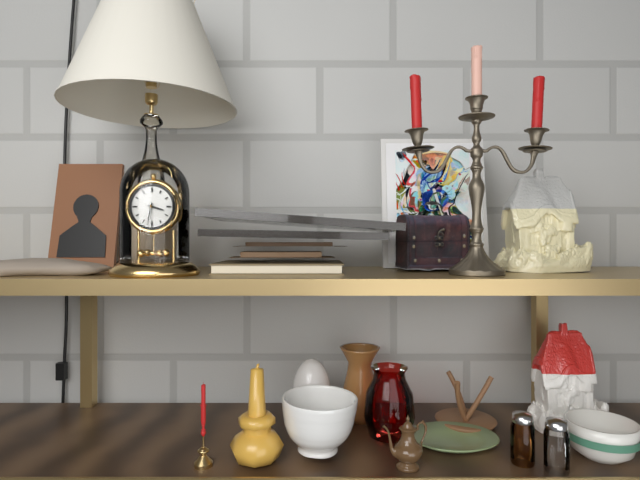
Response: **3:32**
